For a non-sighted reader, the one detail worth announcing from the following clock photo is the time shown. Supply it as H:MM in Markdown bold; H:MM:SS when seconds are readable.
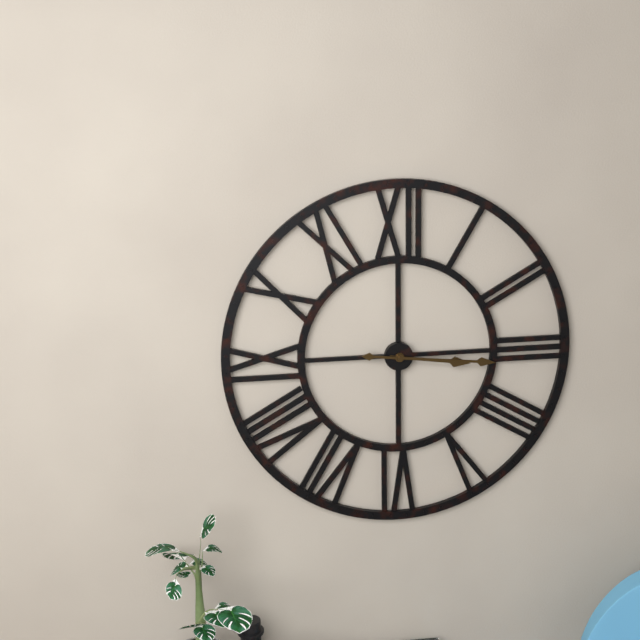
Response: **3:16**
